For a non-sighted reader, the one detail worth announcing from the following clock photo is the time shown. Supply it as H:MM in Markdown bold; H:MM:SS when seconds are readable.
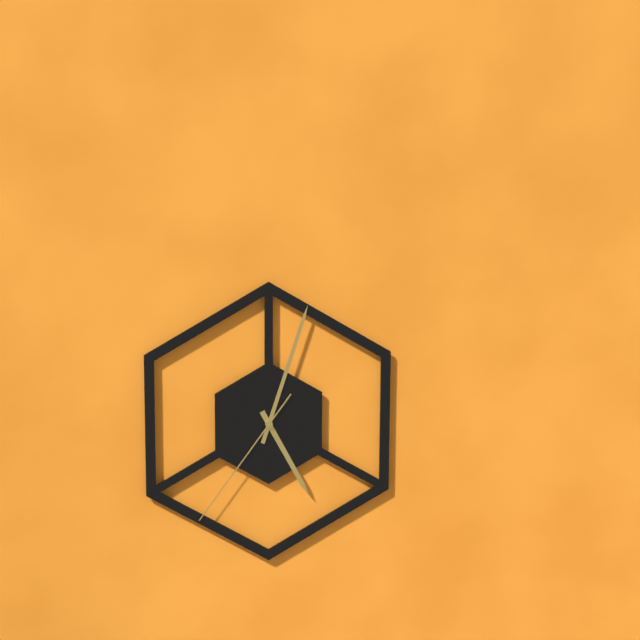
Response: **5:03:36**
